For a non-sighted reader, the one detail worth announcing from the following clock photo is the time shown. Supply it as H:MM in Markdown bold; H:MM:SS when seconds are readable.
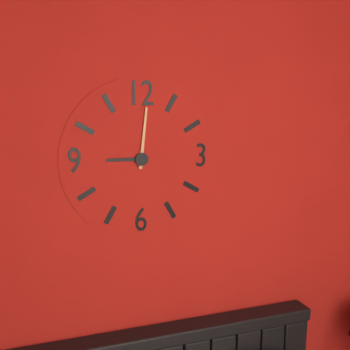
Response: **9:01**
